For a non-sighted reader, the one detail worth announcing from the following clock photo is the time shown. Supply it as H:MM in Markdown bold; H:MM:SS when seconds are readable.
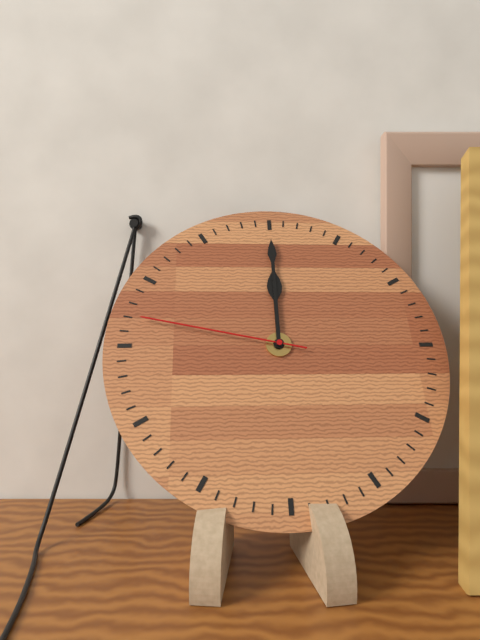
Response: **12:00:47**
